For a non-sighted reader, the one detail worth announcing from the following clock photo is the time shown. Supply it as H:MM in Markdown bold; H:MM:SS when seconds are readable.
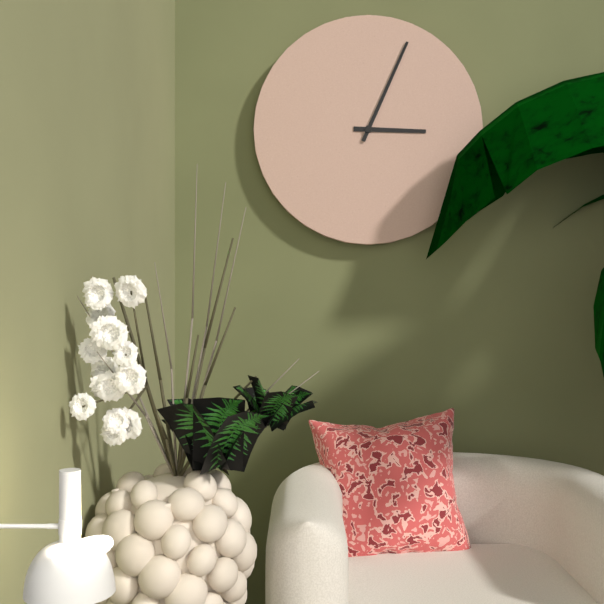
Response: **3:04**
